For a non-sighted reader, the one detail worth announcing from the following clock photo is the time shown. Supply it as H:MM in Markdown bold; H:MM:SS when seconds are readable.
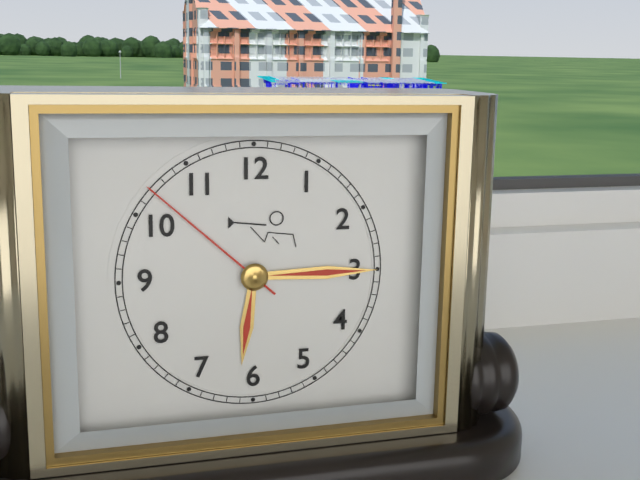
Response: **6:15:52**
